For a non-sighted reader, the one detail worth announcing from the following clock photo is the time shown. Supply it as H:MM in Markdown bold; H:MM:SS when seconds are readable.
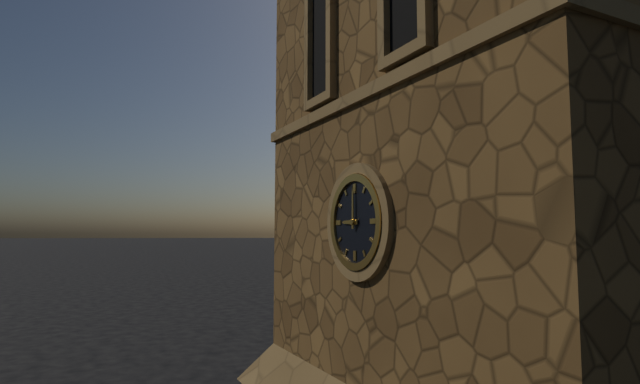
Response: **9:00**
